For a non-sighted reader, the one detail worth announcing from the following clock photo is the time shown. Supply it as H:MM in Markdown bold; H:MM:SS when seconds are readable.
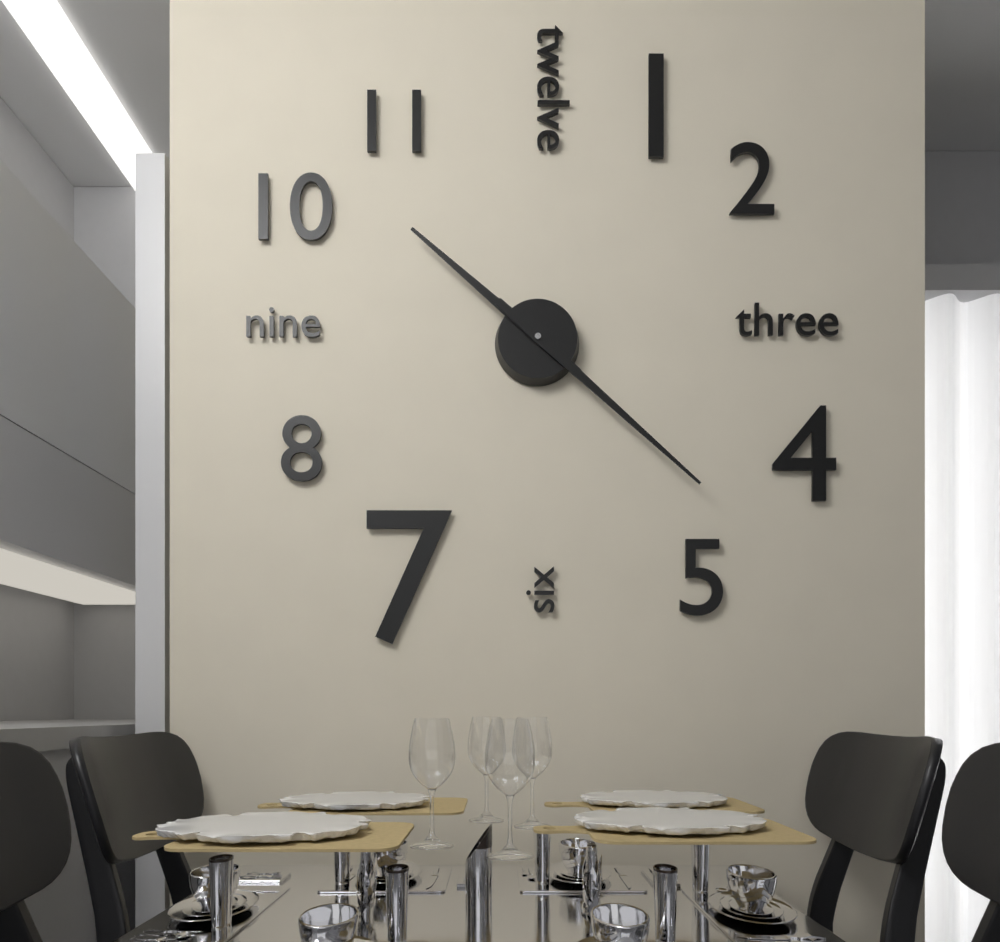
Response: **10:22**
